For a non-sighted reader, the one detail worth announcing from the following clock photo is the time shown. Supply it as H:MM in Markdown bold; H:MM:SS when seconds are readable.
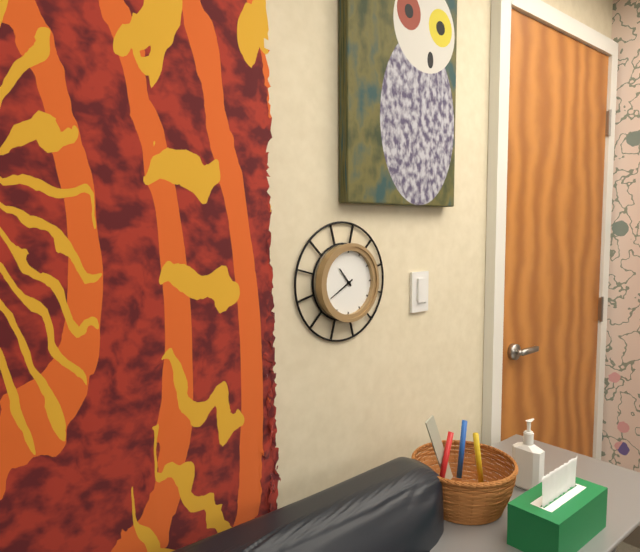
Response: **10:40**
